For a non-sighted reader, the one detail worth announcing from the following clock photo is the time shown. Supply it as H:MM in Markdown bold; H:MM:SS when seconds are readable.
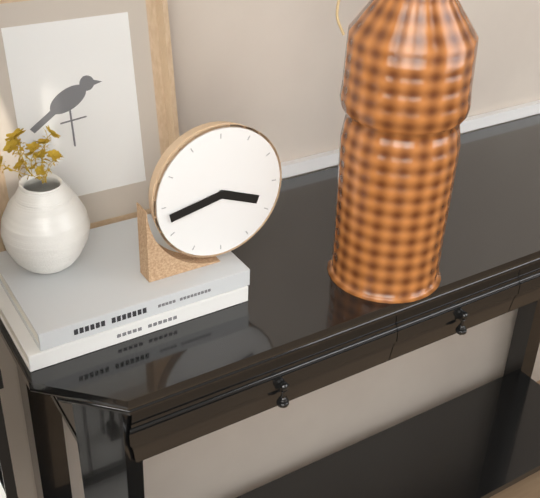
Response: **3:43**
